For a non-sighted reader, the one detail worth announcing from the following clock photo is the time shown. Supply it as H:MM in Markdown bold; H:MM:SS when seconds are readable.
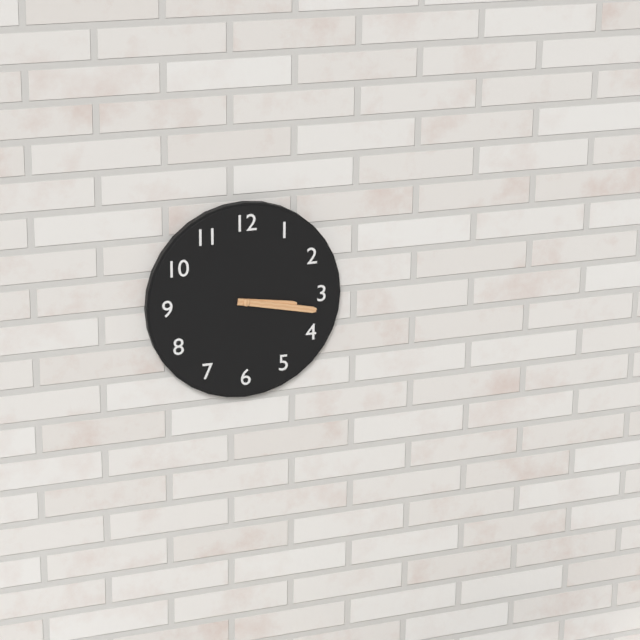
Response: **3:17**
